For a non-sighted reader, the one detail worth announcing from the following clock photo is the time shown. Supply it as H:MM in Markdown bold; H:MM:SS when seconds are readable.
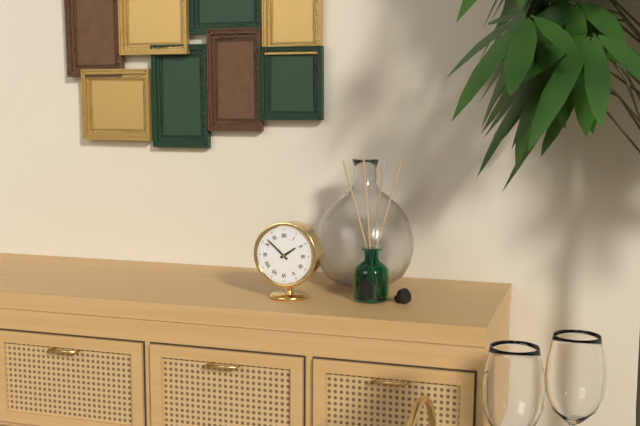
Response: **1:52**
